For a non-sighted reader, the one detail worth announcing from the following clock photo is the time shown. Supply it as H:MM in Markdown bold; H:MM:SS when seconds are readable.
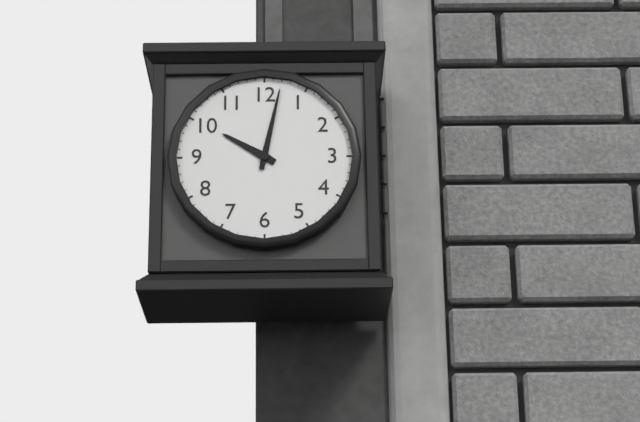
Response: **10:02**
